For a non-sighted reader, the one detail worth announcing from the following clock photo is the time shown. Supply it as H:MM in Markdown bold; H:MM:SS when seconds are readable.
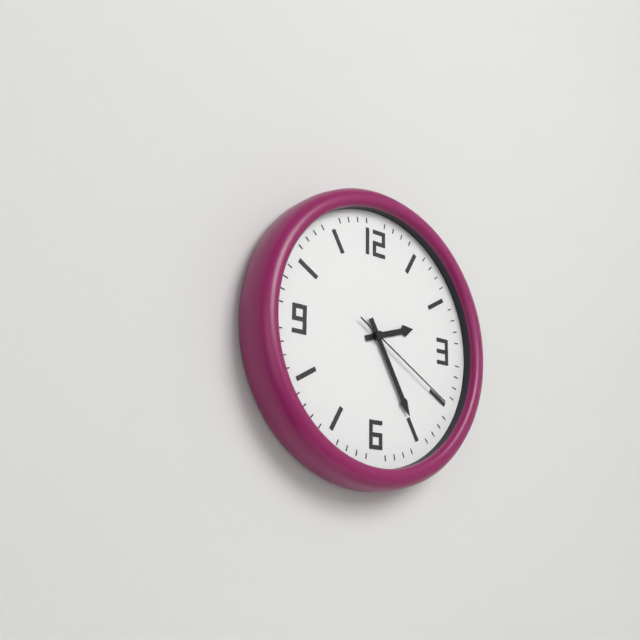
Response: **2:25:20**
